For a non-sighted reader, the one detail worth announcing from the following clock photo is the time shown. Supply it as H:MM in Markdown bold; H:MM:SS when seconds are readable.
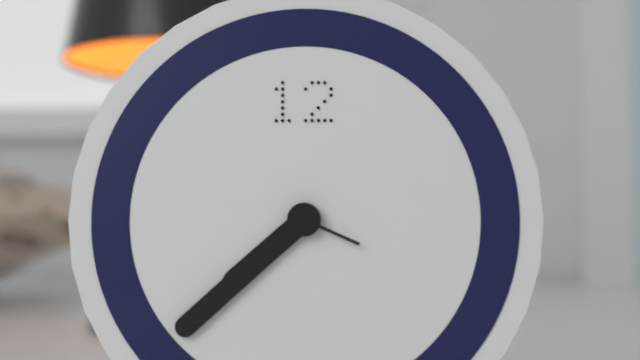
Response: **7:38:19**
